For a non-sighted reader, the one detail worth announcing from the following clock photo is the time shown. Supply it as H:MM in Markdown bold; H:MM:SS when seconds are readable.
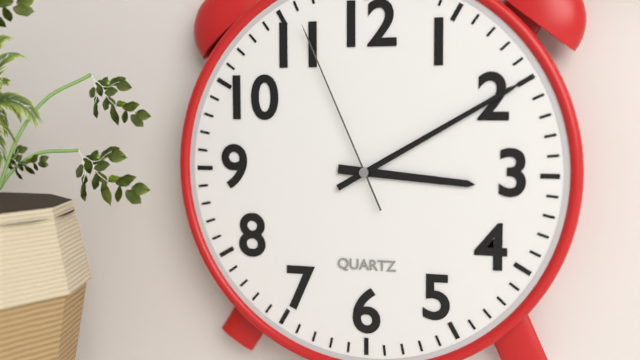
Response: **3:10:56**
